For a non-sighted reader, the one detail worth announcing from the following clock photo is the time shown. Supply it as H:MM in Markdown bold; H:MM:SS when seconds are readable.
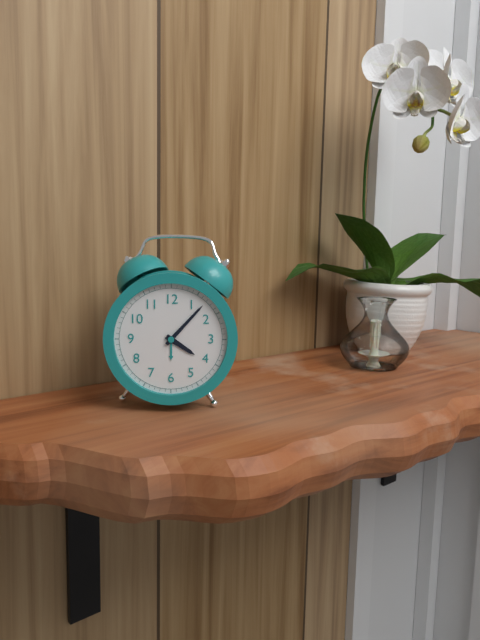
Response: **4:07**
